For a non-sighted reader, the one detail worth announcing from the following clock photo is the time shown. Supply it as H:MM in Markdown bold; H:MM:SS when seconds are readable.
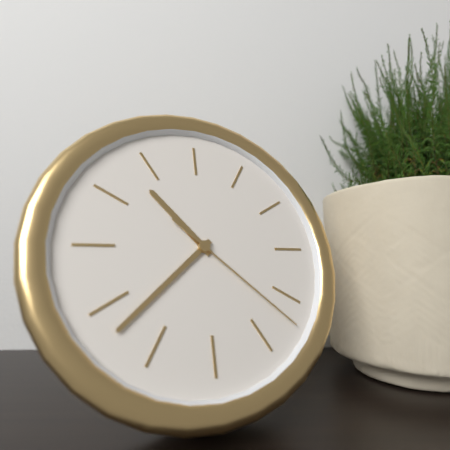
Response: **10:38:22**
